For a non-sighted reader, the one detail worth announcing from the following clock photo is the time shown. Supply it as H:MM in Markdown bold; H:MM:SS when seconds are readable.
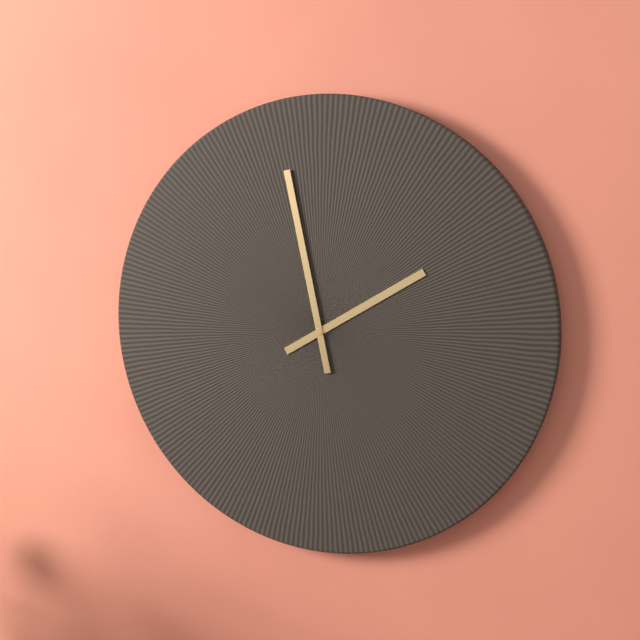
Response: **1:58**
